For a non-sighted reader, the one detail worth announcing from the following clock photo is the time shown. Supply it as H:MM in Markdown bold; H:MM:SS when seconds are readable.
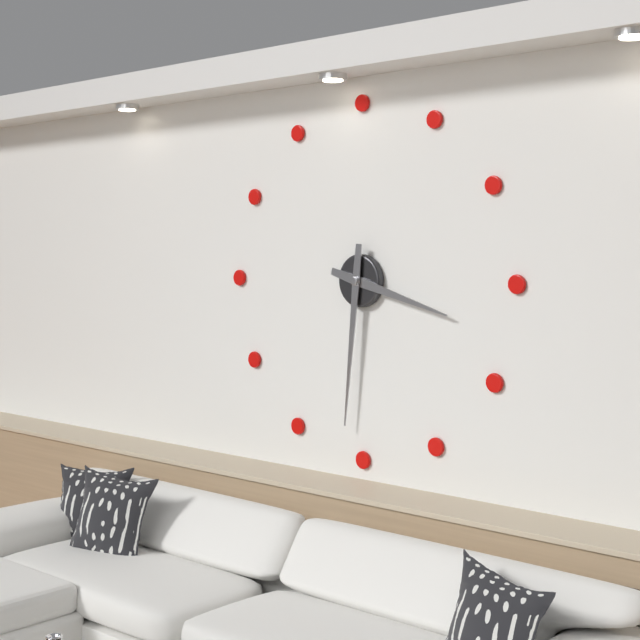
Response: **3:31**
